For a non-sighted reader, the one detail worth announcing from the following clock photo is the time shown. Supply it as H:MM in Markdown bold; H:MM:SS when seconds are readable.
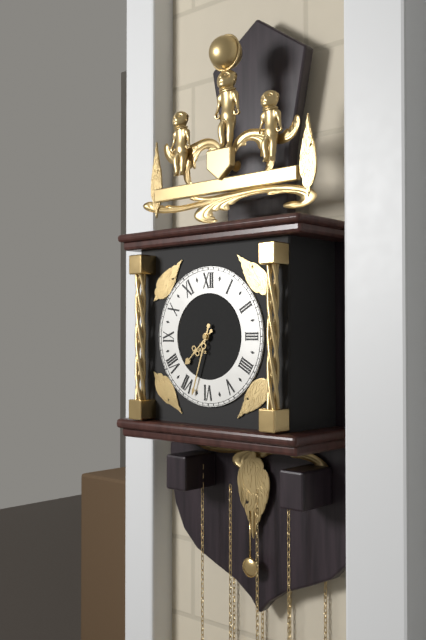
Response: **7:33**
